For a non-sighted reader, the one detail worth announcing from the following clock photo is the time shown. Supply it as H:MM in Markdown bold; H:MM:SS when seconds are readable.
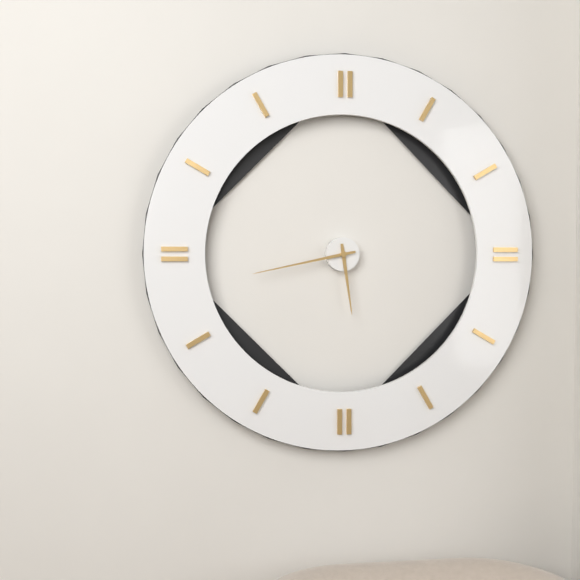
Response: **5:43**
